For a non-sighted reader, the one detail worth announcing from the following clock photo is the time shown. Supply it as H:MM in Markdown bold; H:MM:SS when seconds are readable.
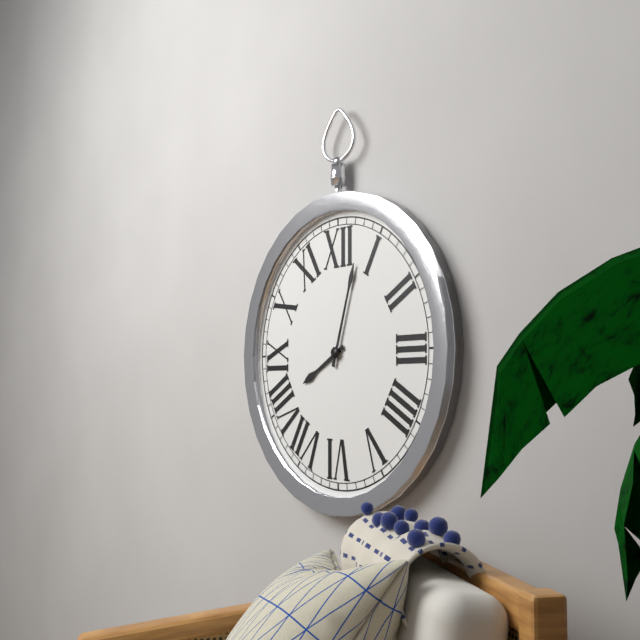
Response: **8:03**
